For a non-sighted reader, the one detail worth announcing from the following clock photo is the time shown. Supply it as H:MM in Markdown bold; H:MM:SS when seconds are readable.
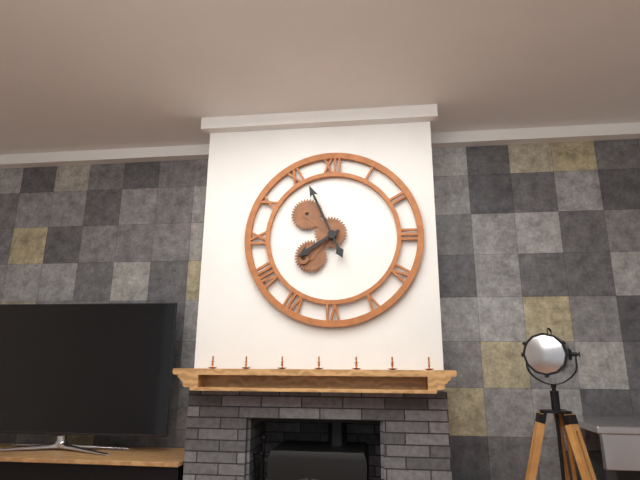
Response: **7:56**
